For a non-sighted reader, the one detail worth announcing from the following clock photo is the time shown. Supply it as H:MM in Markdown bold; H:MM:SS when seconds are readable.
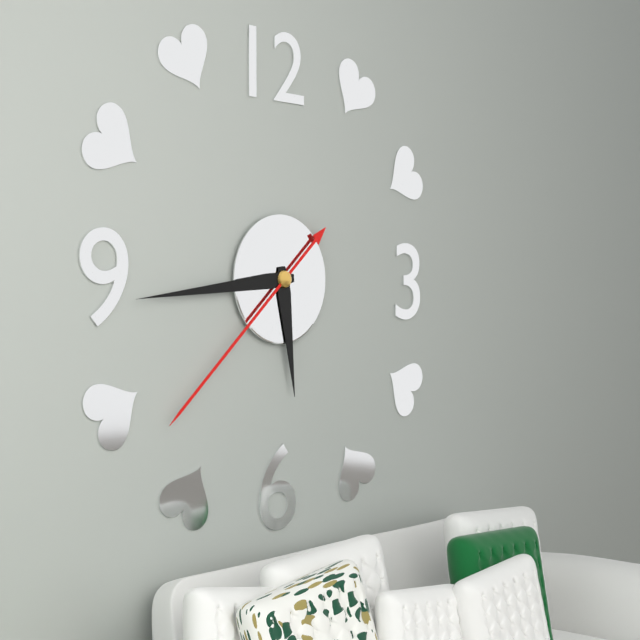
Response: **5:44:38**
